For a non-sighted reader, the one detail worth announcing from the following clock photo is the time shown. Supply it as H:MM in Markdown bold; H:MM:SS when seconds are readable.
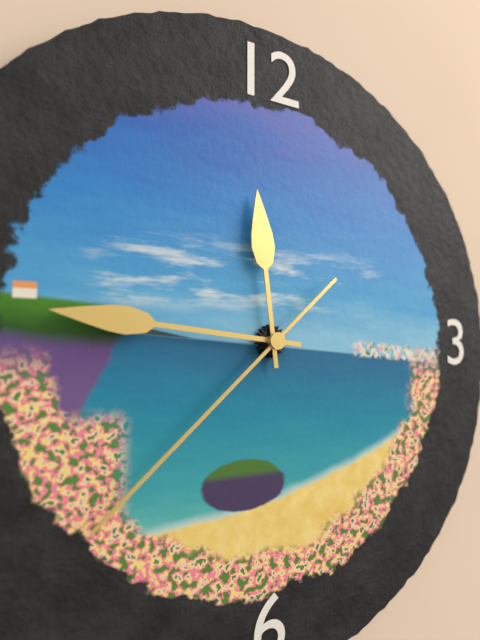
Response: **11:46:38**
